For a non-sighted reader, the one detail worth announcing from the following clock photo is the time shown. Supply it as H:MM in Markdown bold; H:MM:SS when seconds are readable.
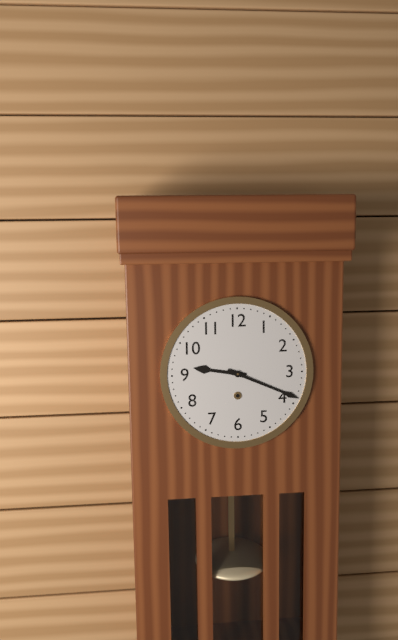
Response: **9:19**
